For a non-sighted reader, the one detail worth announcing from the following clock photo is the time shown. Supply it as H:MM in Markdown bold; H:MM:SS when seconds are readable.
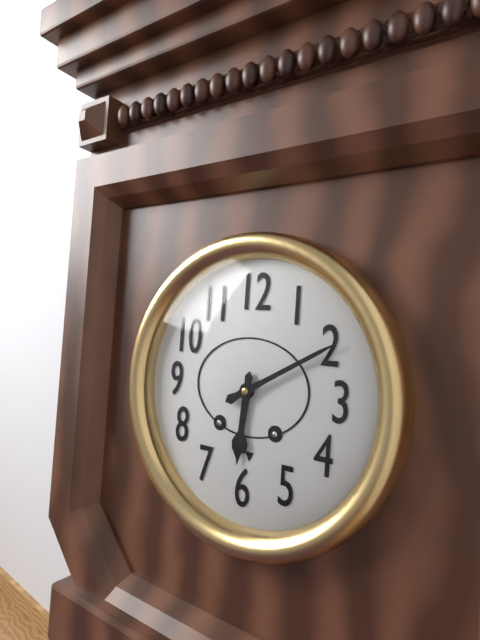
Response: **6:10**
